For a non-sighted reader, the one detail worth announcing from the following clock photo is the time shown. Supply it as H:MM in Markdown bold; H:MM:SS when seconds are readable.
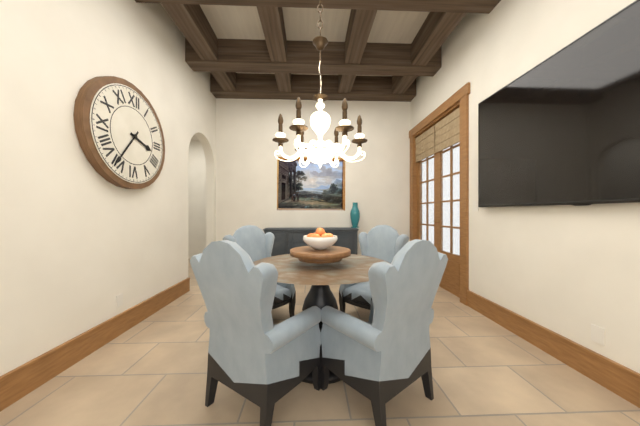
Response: **3:36**
